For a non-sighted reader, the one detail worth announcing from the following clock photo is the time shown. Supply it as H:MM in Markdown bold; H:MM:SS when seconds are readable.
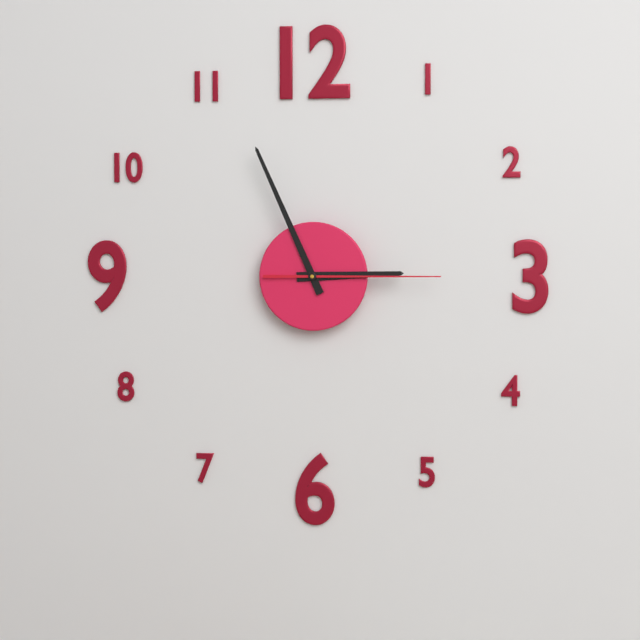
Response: **2:56:15**
